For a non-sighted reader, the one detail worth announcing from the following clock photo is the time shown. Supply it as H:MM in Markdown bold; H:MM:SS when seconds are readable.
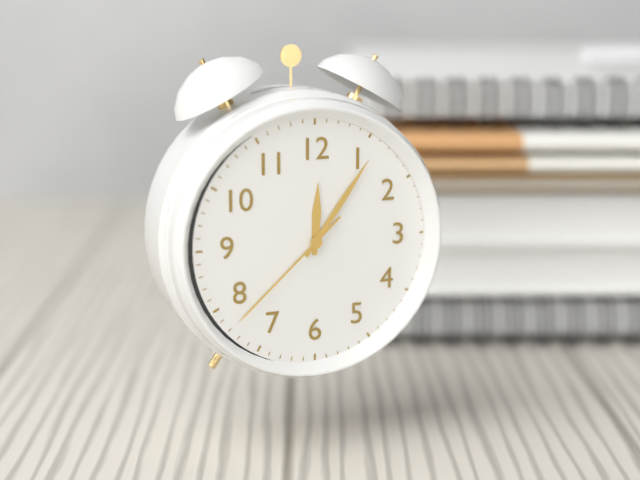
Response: **12:06:38**
